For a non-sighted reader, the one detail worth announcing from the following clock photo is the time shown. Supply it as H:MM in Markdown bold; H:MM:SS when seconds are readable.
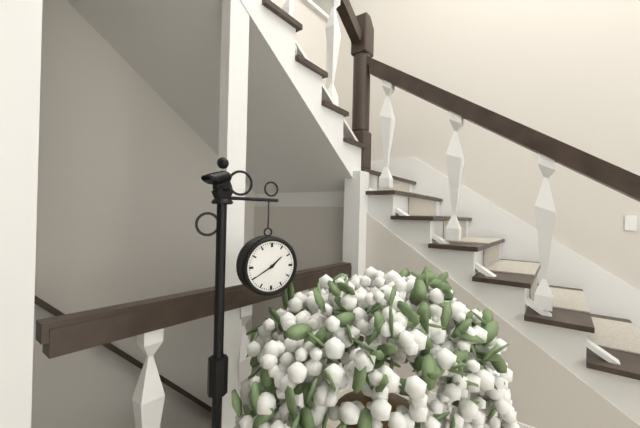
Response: **1:40**
